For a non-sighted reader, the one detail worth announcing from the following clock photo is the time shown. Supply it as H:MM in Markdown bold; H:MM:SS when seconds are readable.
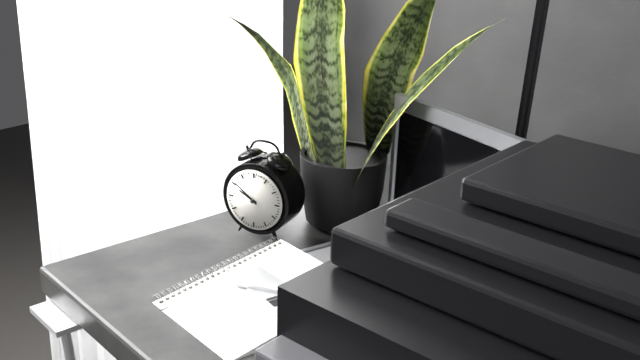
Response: **9:51**
